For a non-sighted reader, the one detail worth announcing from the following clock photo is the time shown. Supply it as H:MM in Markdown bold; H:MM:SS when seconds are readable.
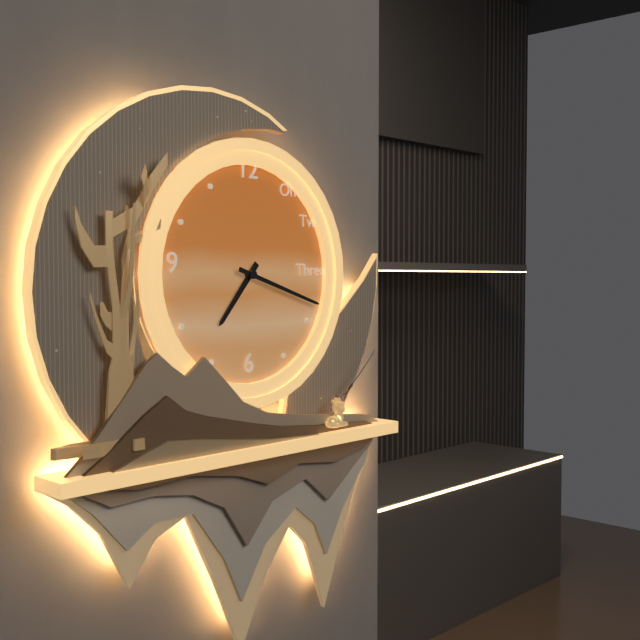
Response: **7:18**
